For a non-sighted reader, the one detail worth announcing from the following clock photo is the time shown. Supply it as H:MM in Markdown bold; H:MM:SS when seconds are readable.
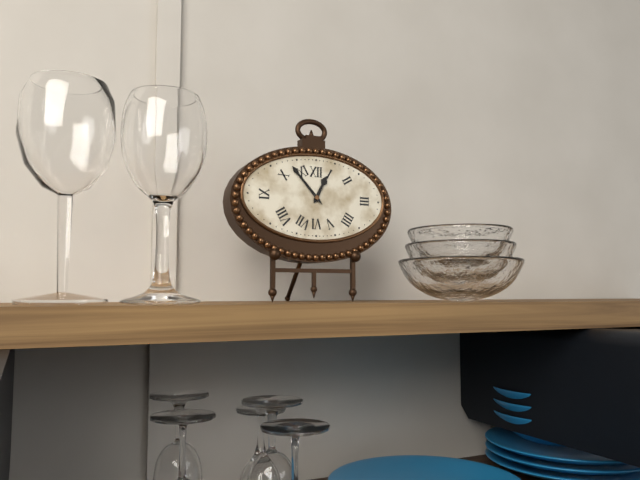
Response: **12:53**
